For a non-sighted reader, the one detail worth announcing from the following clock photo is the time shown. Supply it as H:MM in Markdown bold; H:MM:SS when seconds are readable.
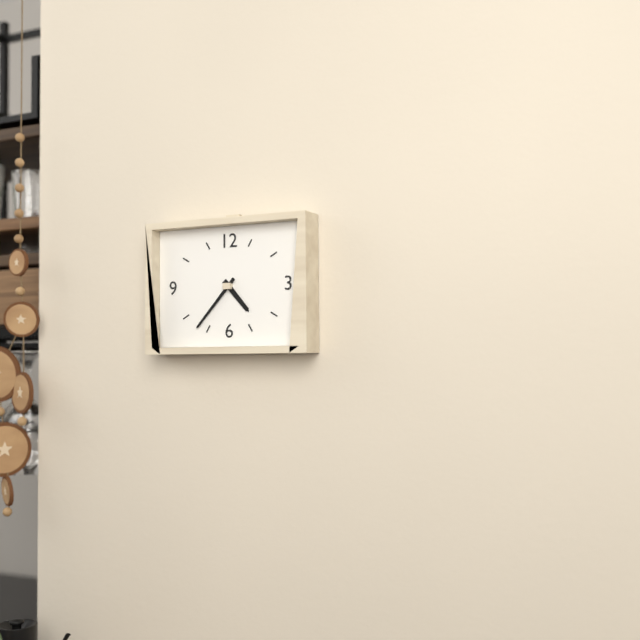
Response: **4:37**
